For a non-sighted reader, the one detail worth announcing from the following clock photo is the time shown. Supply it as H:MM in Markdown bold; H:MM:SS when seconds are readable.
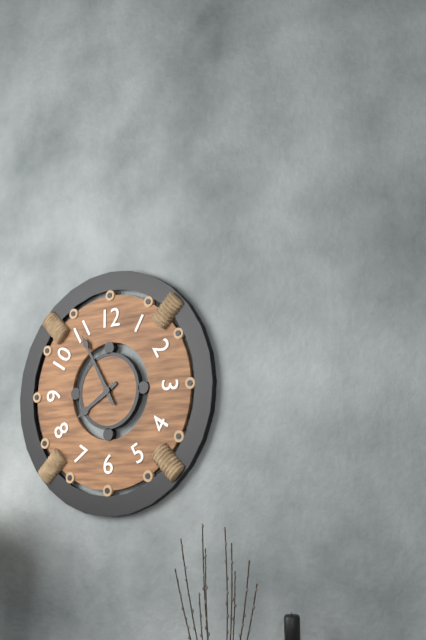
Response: **7:55**
